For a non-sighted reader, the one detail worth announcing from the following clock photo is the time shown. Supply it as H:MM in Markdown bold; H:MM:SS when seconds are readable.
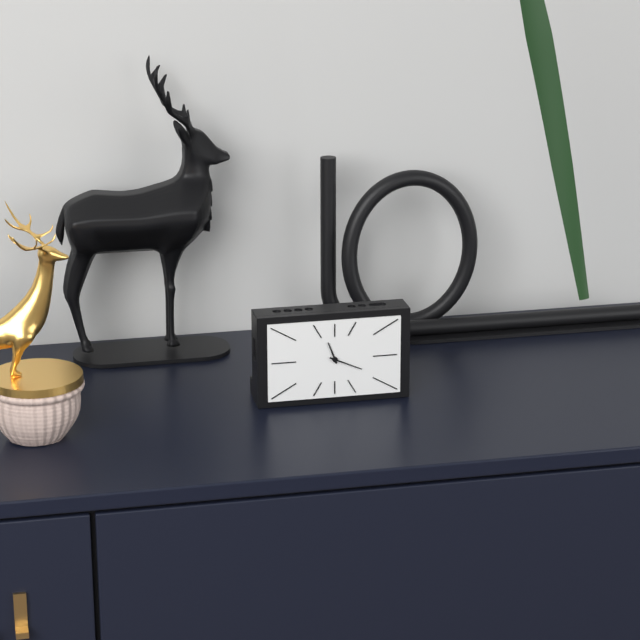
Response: **11:19**
